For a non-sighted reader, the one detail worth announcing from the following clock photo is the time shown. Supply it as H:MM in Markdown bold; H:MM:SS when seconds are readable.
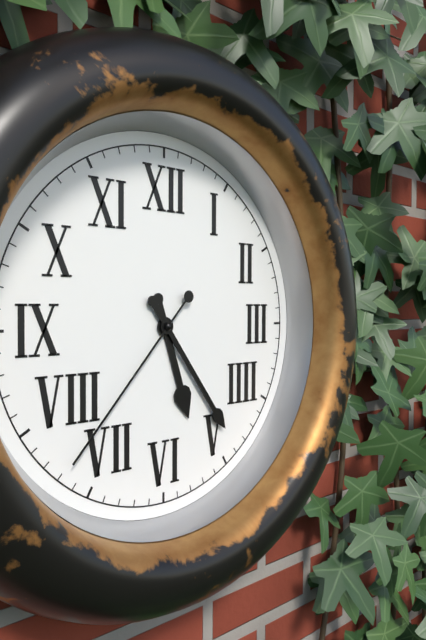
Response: **5:24:37**
